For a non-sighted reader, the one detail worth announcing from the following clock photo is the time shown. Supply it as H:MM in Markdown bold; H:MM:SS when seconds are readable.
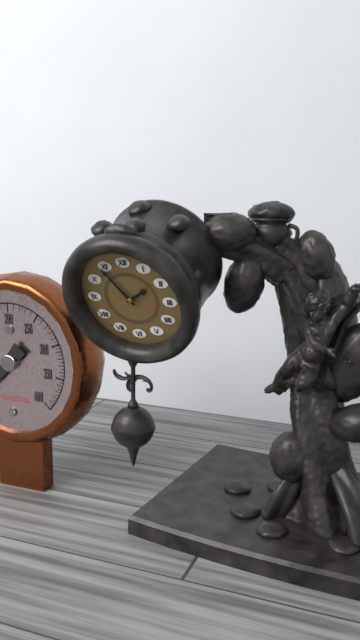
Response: **1:54:18**
